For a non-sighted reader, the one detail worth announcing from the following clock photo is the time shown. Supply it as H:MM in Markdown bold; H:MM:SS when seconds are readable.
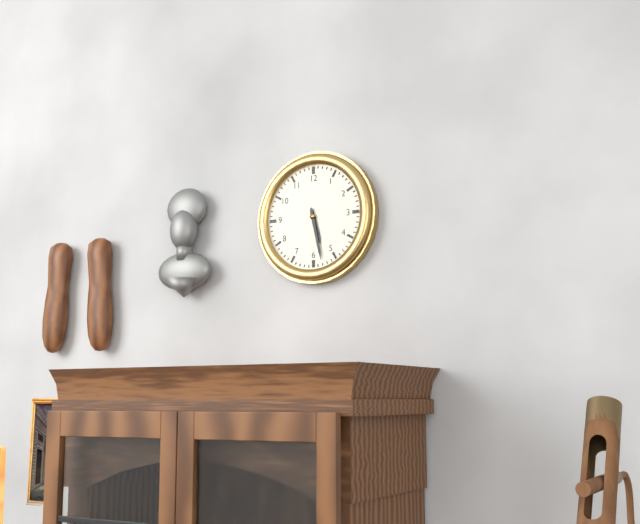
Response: **5:28**
